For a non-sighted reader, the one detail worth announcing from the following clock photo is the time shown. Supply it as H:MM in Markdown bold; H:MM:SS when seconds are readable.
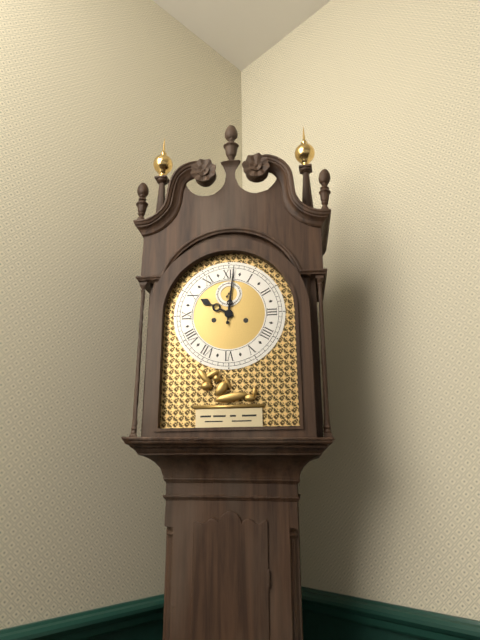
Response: **10:01**
